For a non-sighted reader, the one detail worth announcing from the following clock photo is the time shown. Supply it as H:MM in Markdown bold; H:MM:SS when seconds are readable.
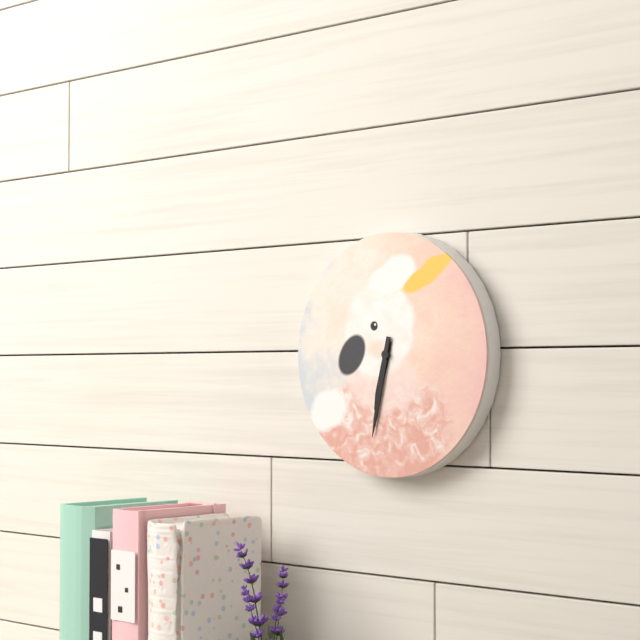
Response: **6:32**
